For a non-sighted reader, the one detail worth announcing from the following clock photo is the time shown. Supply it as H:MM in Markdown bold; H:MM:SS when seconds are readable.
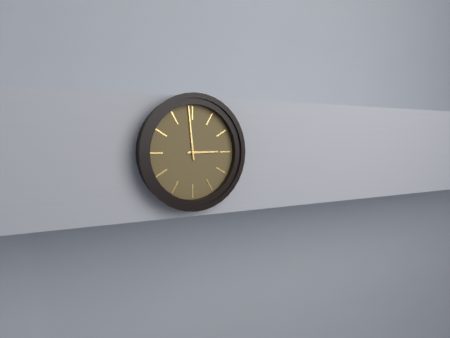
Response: **2:59**
